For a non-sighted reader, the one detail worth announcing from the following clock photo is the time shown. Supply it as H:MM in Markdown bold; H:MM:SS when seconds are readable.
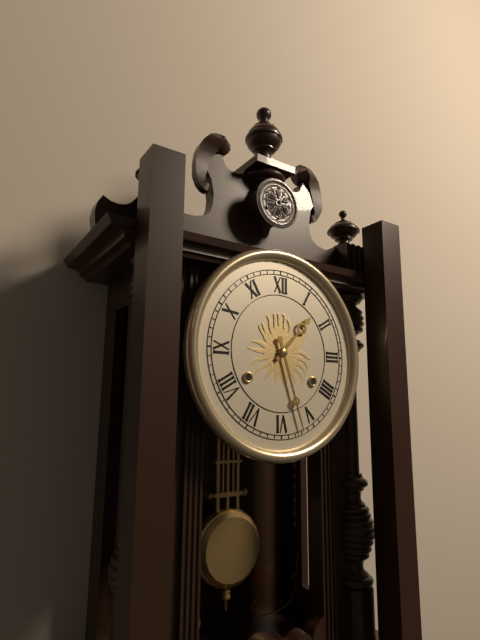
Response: **1:27**
